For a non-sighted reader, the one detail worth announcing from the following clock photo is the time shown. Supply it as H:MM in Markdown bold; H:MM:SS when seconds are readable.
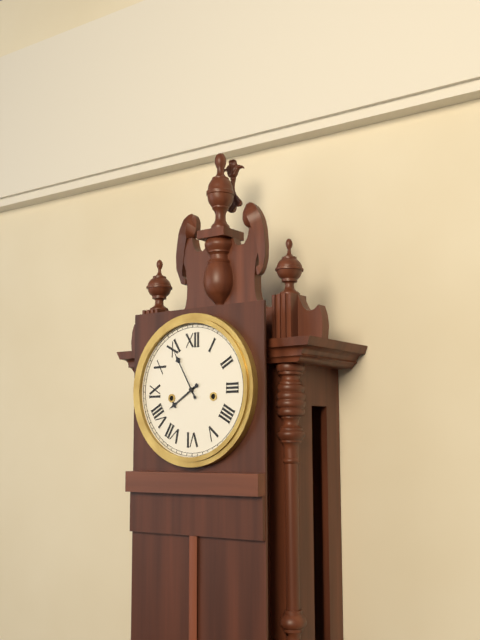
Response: **7:55**
